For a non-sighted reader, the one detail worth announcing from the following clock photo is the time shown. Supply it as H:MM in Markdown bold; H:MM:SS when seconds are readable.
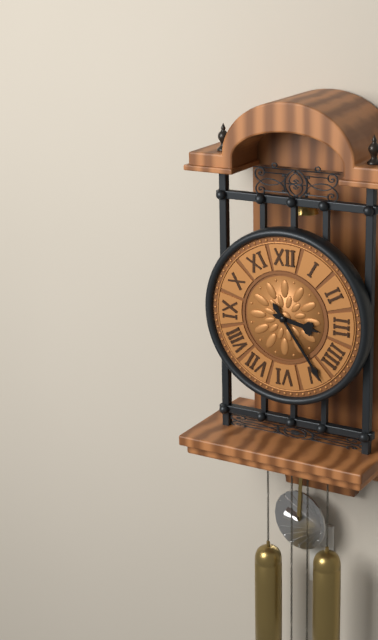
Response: **3:24**
